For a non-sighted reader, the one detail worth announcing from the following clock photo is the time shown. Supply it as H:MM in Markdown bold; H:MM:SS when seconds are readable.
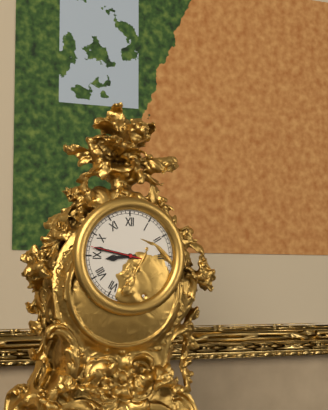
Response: **8:47:47**
